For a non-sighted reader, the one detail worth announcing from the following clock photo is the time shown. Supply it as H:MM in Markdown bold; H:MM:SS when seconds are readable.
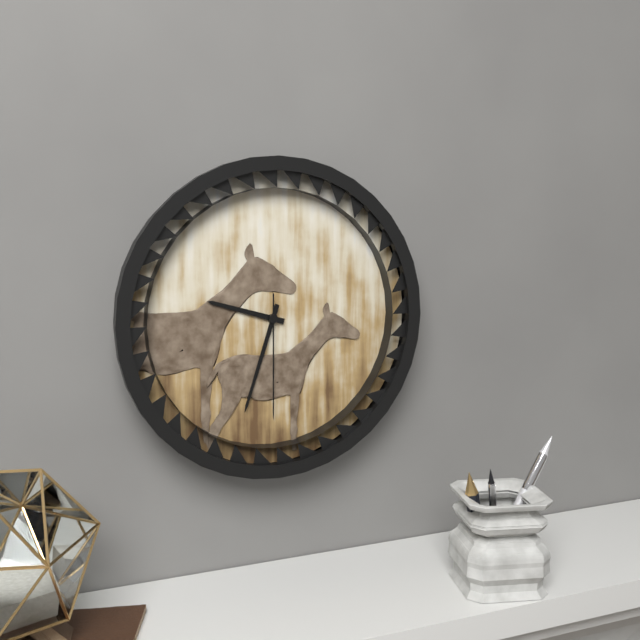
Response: **9:33:30**
